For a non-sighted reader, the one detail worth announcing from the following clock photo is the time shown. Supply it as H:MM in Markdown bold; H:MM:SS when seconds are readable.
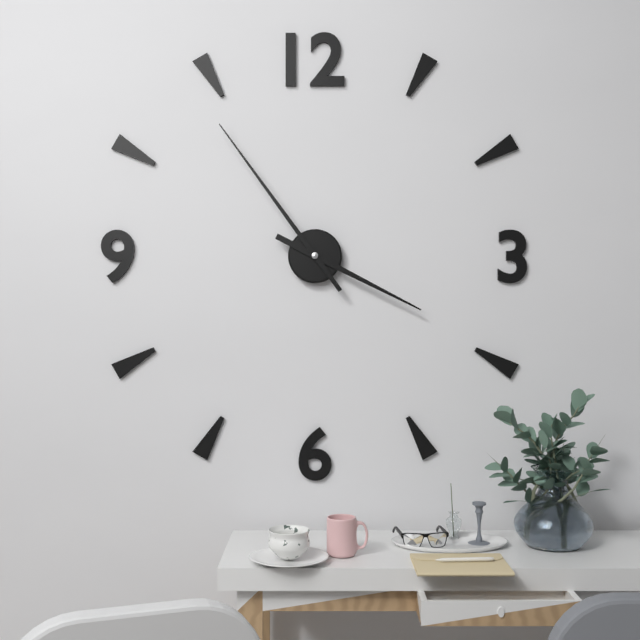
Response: **3:54**
